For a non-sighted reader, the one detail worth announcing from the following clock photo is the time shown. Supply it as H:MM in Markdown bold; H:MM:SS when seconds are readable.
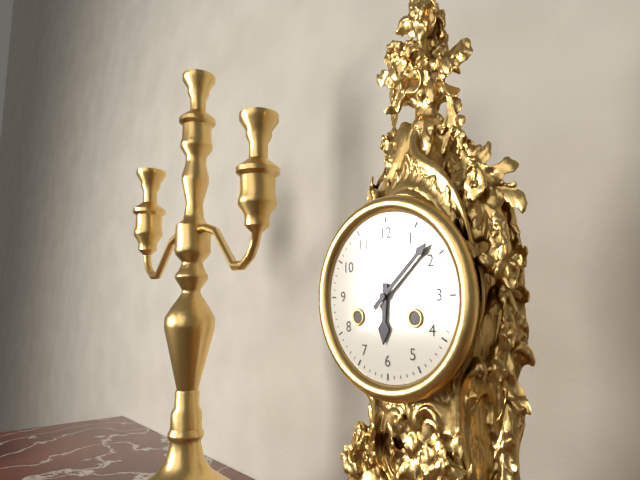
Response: **6:08**
